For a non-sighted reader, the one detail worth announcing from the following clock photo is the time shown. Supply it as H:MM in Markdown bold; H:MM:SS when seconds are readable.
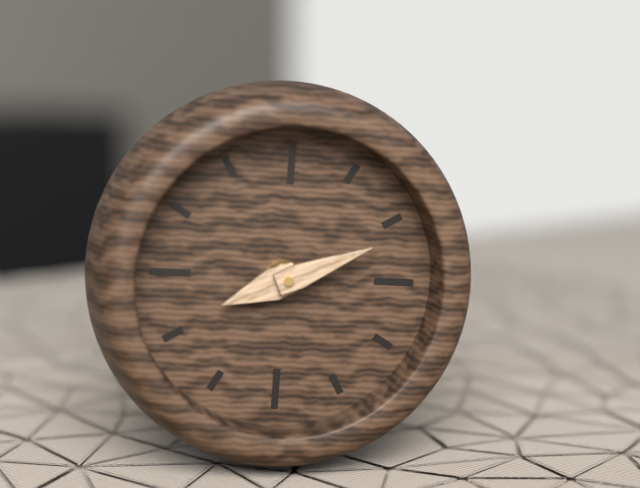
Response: **8:11**
